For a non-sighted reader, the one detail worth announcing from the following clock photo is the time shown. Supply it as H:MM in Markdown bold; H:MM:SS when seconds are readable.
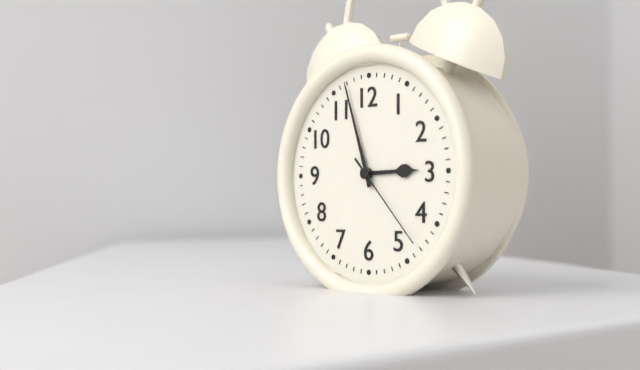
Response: **2:57:23**
